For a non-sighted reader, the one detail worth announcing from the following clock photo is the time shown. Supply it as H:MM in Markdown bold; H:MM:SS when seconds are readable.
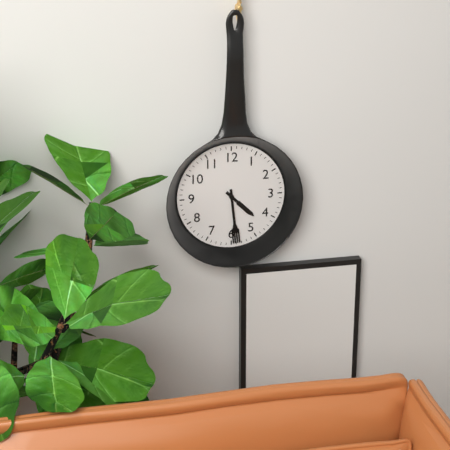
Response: **4:29**
